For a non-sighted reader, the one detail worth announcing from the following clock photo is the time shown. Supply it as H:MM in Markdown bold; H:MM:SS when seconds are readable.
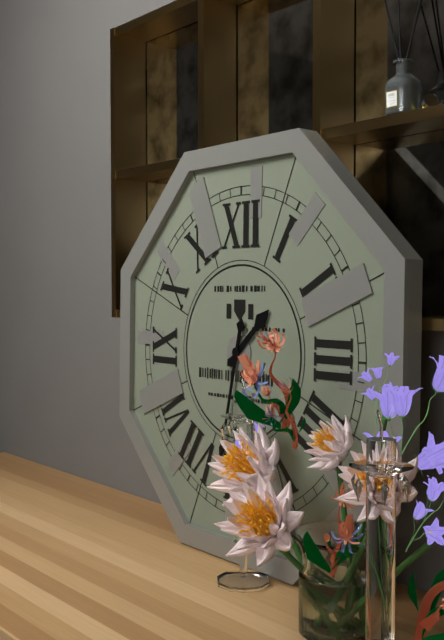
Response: **1:32**
